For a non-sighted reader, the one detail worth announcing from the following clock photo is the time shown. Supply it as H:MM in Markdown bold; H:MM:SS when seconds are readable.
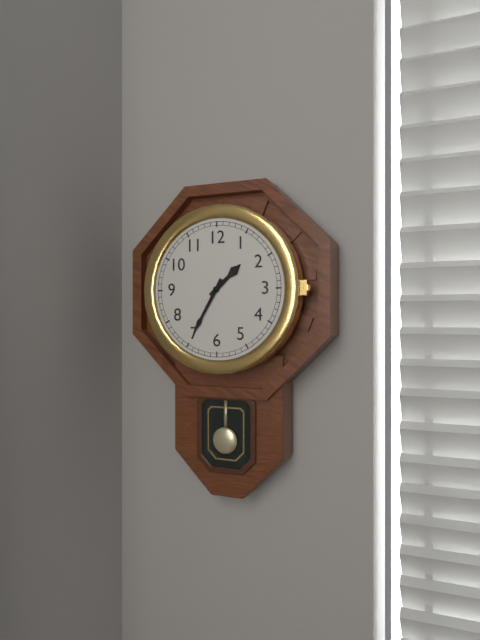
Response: **1:35**
